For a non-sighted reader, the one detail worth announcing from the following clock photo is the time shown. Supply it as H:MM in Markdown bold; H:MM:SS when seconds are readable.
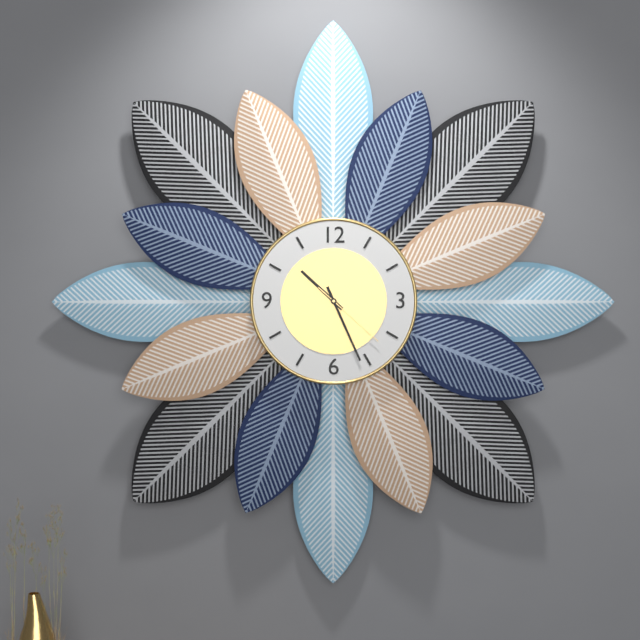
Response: **10:26:22**
